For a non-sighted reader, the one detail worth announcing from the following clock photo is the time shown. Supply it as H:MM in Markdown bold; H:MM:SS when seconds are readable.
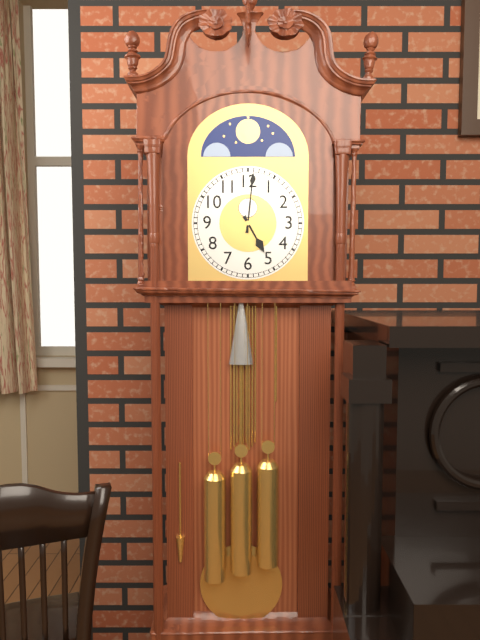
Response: **5:01**
